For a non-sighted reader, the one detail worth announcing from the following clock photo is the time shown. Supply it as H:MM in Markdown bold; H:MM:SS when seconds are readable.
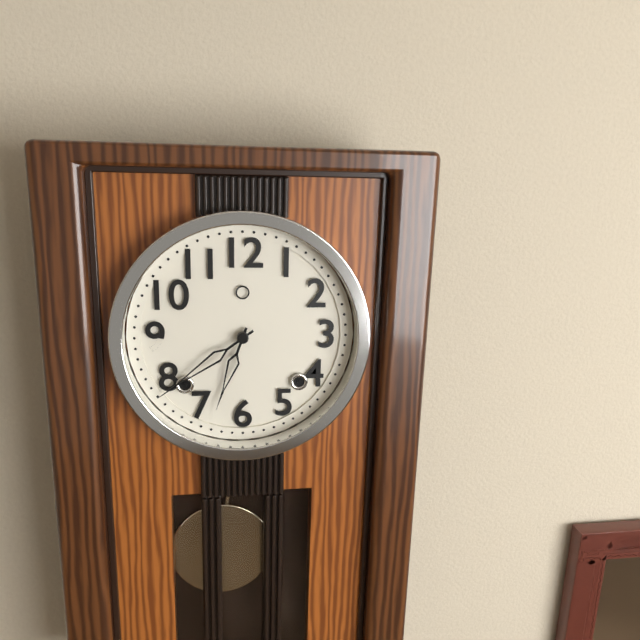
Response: **6:39**
